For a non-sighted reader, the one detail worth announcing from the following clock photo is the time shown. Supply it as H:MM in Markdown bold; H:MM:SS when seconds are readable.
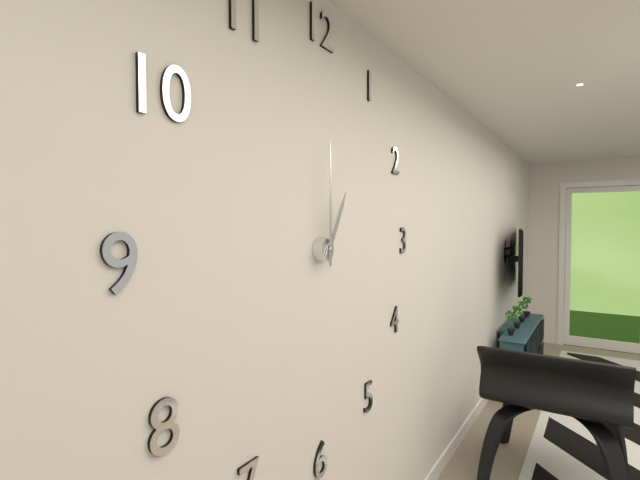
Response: **1:00**
